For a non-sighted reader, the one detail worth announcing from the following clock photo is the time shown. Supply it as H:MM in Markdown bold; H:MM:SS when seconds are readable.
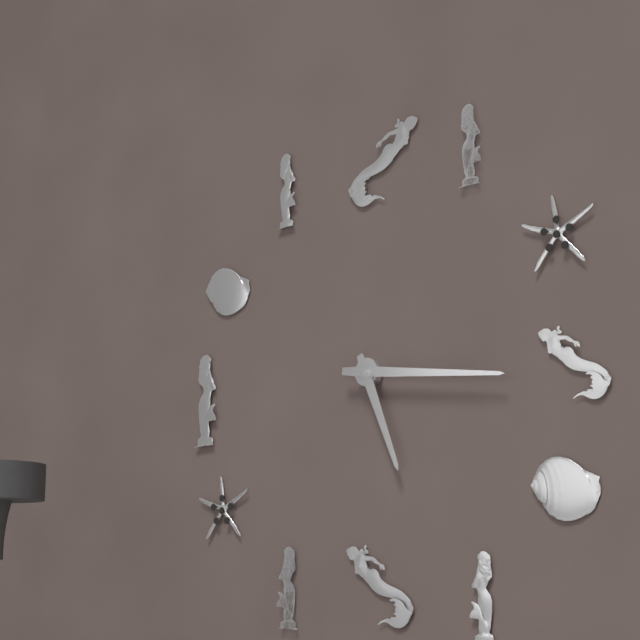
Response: **5:16**
